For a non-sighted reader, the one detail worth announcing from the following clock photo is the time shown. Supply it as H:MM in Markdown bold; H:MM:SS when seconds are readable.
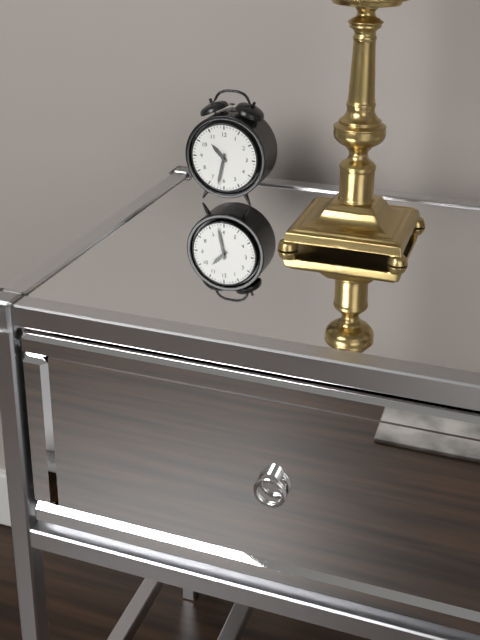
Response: **10:32**
